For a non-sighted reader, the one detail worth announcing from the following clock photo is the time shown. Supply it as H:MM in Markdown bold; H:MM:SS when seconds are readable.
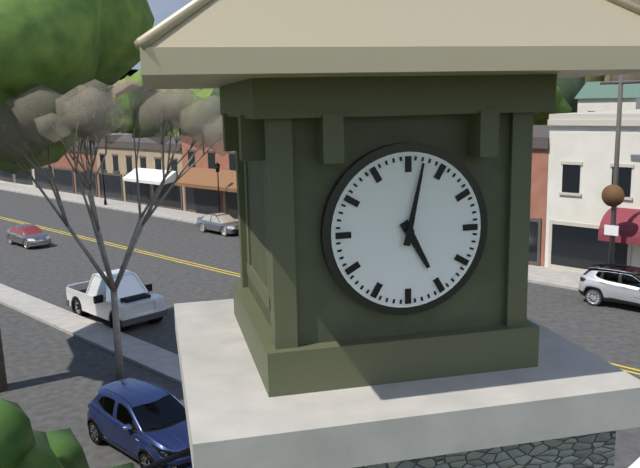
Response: **5:02**
